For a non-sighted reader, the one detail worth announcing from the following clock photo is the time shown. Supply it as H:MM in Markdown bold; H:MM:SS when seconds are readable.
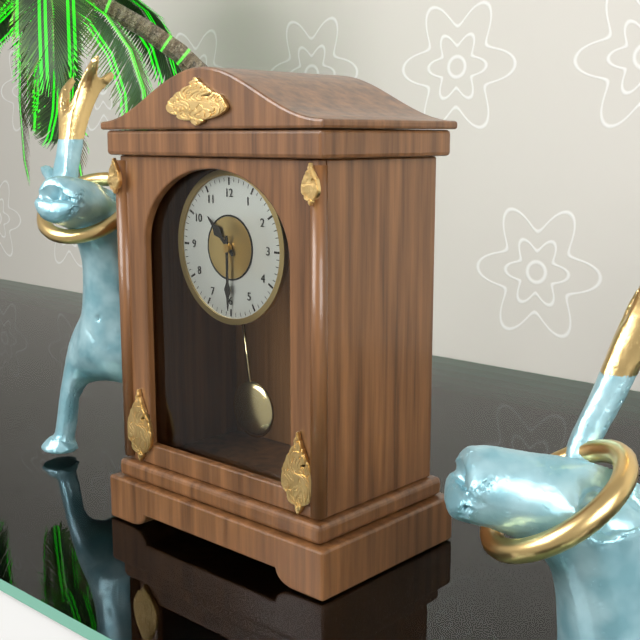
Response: **10:30**
